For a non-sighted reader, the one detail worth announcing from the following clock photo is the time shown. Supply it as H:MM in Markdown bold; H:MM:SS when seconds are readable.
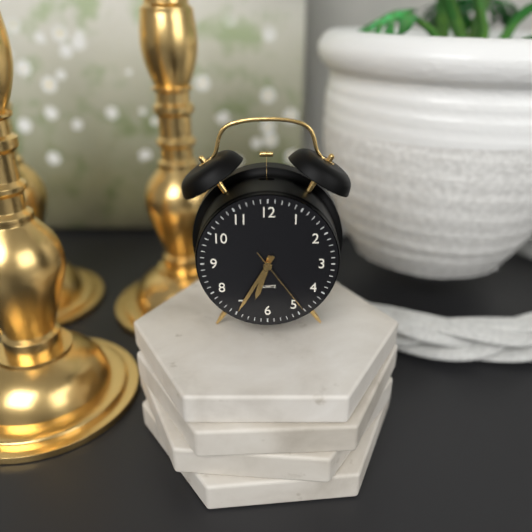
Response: **6:35:24**
